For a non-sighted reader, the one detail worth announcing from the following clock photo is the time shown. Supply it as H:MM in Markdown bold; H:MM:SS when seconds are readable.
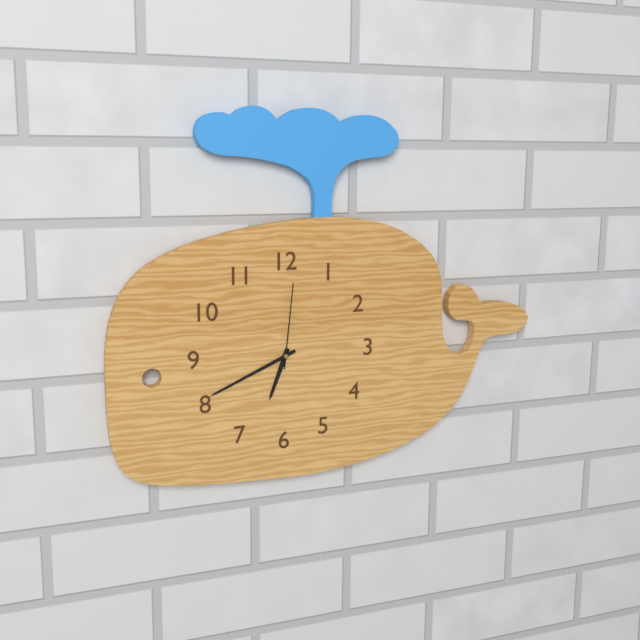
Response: **6:41:01**
